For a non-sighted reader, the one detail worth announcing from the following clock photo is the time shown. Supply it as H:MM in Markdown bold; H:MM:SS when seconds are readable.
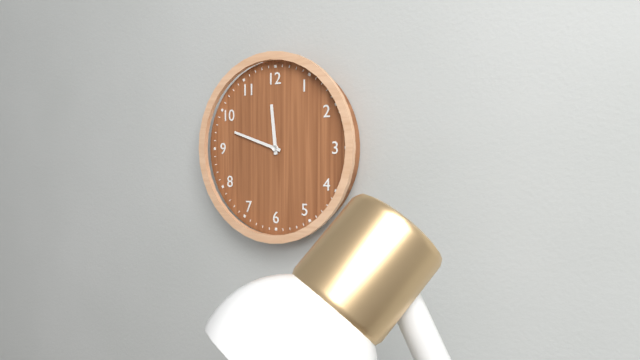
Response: **11:48**
